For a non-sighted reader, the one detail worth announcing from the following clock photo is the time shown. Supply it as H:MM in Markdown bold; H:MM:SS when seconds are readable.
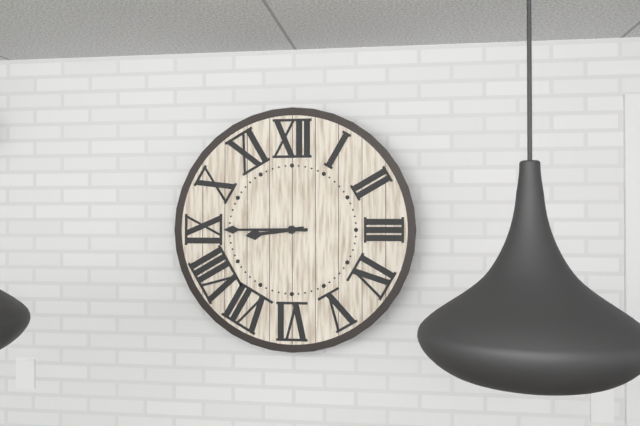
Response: **8:45**
